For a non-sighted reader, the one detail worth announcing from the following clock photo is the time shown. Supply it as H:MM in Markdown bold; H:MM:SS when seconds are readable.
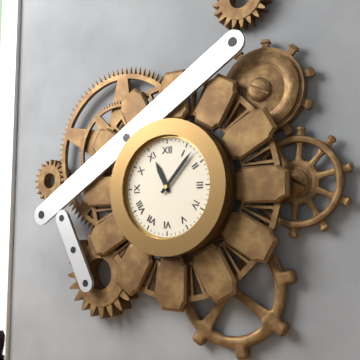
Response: **11:07**
